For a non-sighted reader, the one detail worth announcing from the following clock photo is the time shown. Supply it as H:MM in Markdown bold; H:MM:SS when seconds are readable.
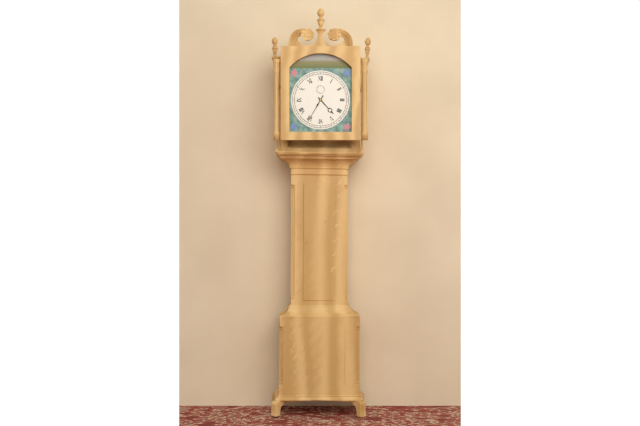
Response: **4:35**
